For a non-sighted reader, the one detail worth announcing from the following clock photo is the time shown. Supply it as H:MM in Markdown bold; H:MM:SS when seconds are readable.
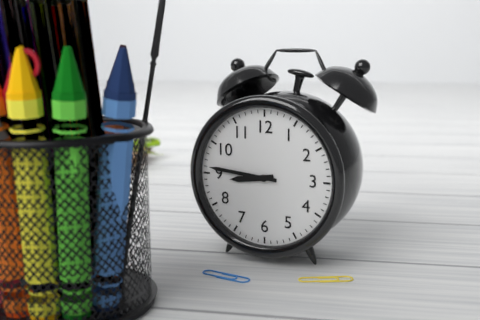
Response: **8:46**
